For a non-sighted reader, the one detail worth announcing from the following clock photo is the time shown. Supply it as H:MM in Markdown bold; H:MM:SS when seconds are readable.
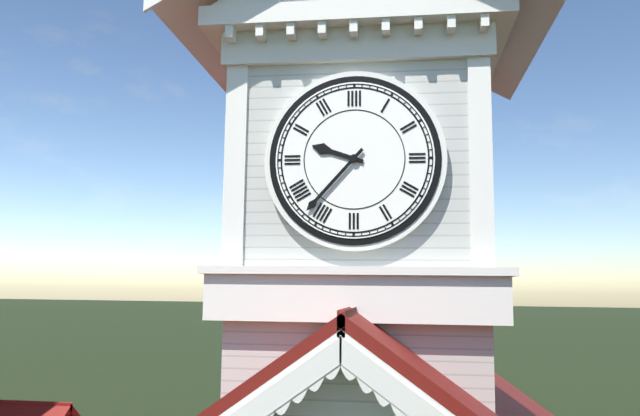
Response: **9:37**
